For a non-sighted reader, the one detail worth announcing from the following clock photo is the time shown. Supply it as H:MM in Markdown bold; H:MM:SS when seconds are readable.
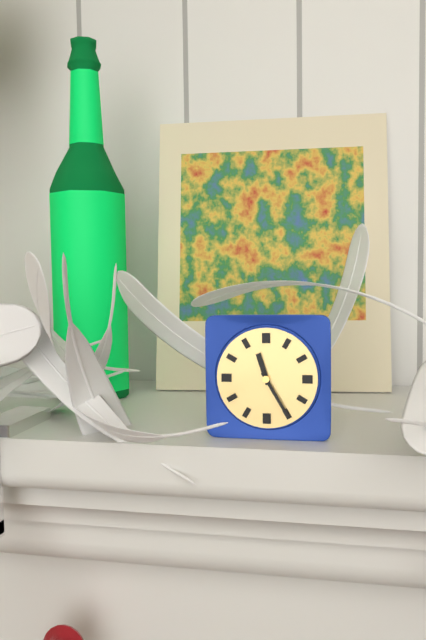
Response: **11:25**
